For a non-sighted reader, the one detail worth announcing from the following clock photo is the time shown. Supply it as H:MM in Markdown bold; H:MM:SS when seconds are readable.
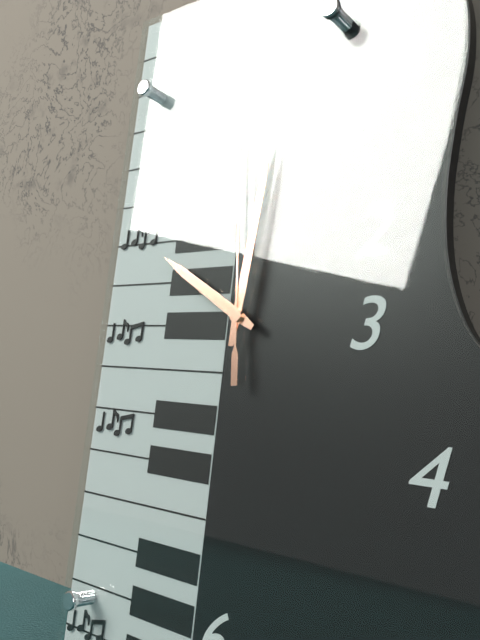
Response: **10:01:59**
